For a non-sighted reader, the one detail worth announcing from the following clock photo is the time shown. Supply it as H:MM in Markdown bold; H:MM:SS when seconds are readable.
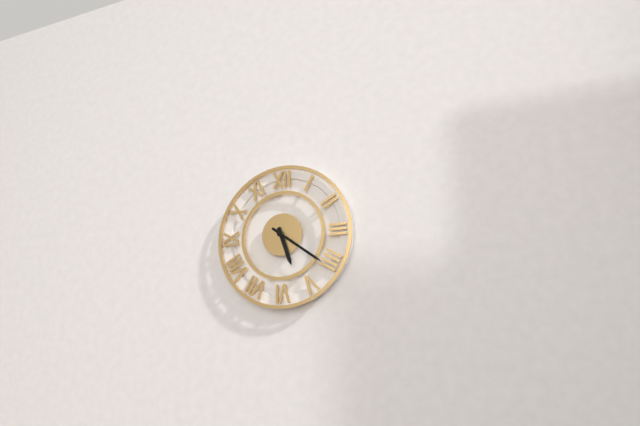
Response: **5:21**
